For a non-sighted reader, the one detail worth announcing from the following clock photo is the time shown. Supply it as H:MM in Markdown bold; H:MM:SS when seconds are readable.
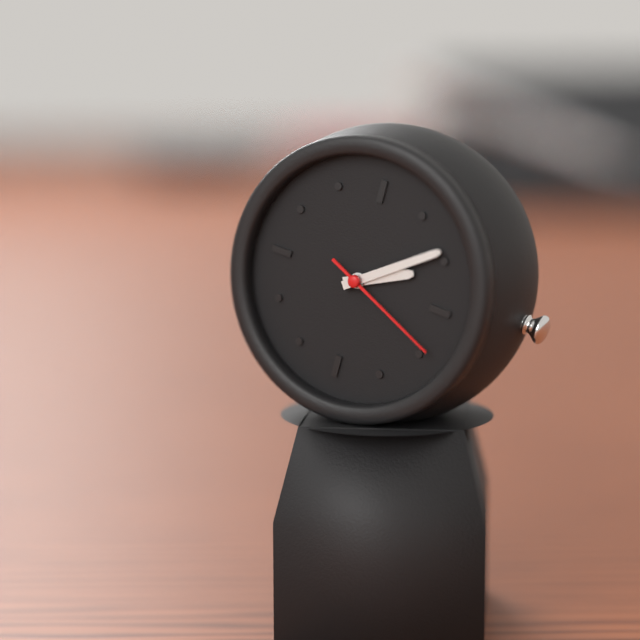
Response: **2:09:19**
